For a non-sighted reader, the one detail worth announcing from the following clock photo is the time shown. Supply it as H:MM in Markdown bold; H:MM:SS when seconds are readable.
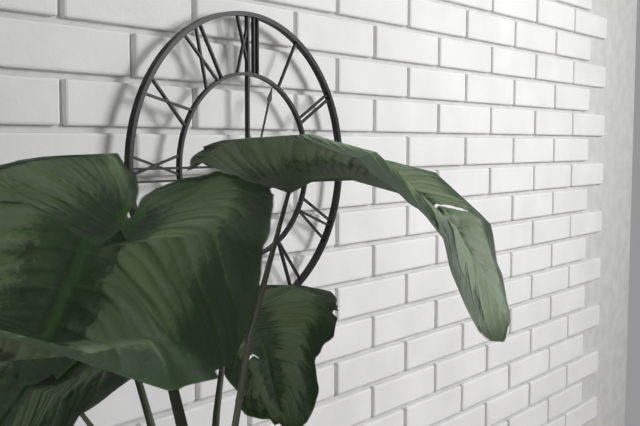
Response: **2:03**
